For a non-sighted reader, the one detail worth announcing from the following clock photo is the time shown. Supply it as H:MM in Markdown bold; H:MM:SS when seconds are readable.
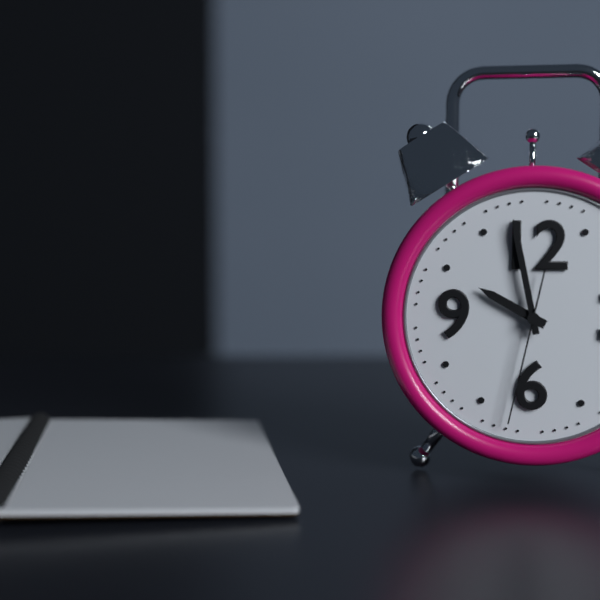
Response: **9:58:32**
